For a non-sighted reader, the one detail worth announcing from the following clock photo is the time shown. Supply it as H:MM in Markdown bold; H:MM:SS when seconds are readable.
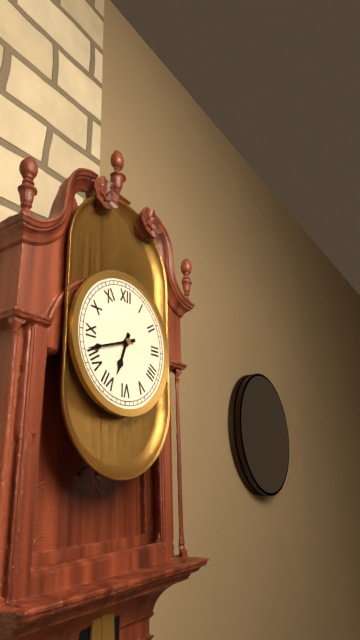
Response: **6:42**
